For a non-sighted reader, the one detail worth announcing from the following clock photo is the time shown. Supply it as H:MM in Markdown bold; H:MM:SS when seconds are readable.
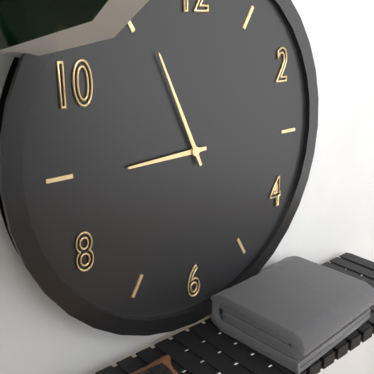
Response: **8:56**
